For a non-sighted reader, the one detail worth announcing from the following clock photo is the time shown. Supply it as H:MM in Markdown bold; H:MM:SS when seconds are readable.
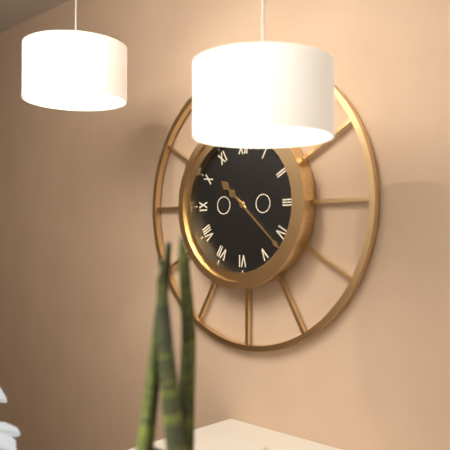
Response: **10:22**
